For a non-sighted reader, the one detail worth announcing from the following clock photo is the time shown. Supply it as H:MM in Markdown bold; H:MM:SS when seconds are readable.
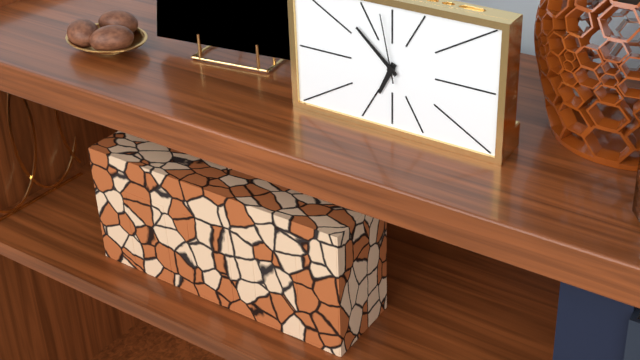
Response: **6:52:58**
